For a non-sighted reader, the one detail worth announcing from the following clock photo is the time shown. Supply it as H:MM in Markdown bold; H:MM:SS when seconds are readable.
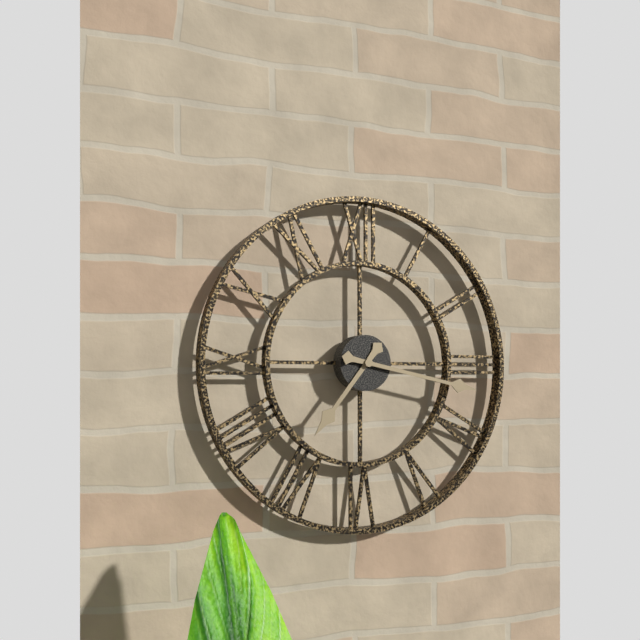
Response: **7:17**
